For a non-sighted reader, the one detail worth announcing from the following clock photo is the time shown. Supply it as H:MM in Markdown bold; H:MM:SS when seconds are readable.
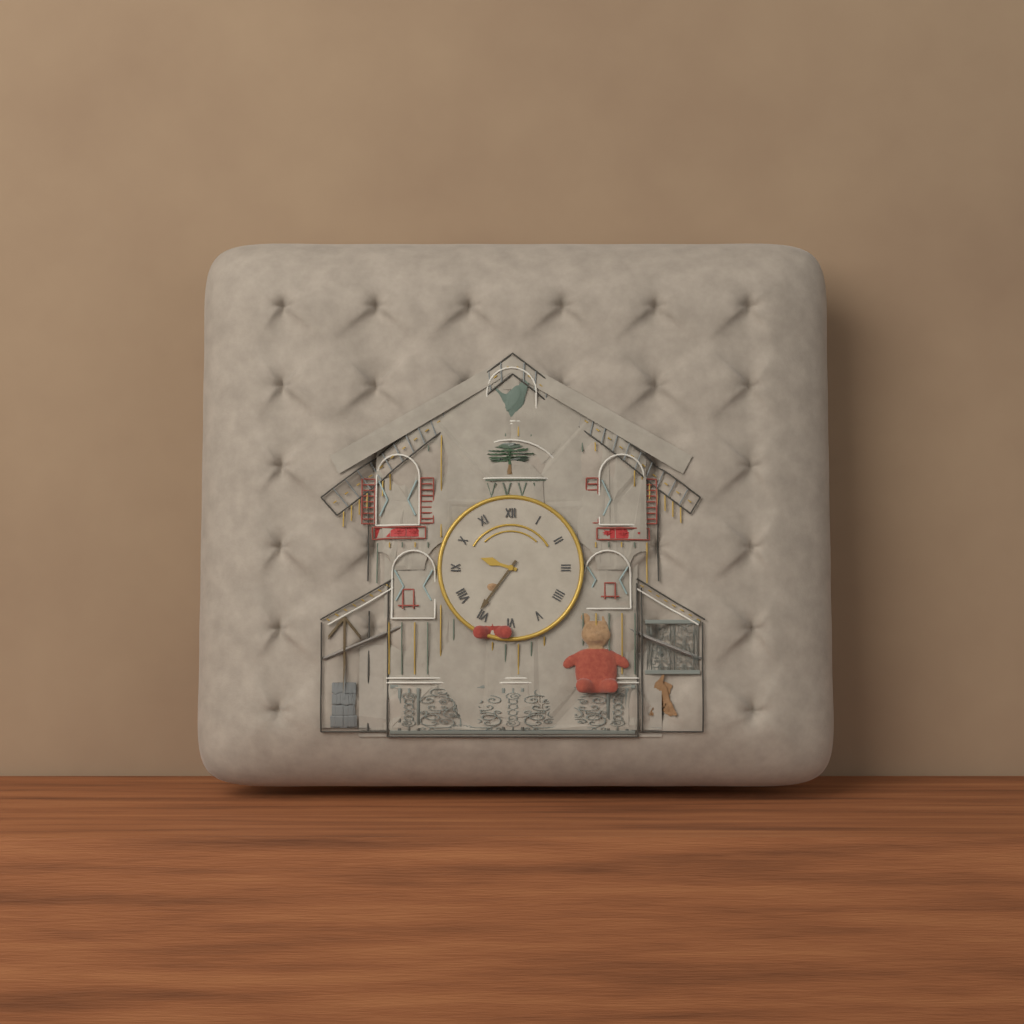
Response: **9:36**
